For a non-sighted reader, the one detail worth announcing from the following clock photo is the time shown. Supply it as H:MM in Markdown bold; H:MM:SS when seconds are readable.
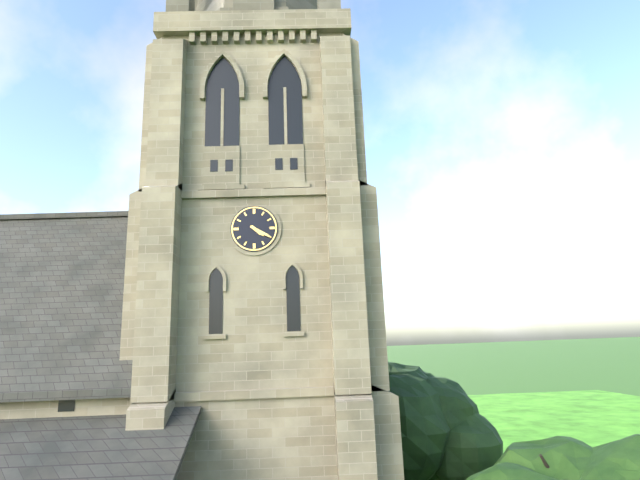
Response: **4:20**
